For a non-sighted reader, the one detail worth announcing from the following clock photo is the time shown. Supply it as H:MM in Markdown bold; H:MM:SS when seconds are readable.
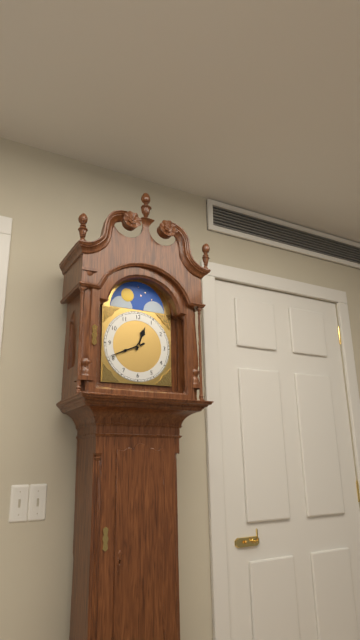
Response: **12:41**
